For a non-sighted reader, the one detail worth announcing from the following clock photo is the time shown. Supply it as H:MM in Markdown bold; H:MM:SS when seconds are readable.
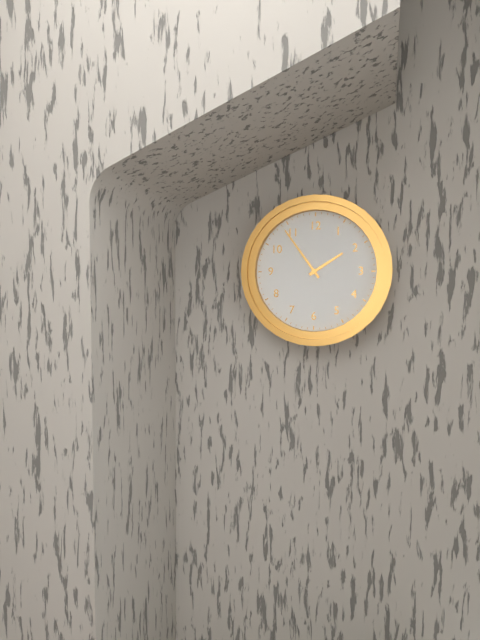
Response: **1:54**
